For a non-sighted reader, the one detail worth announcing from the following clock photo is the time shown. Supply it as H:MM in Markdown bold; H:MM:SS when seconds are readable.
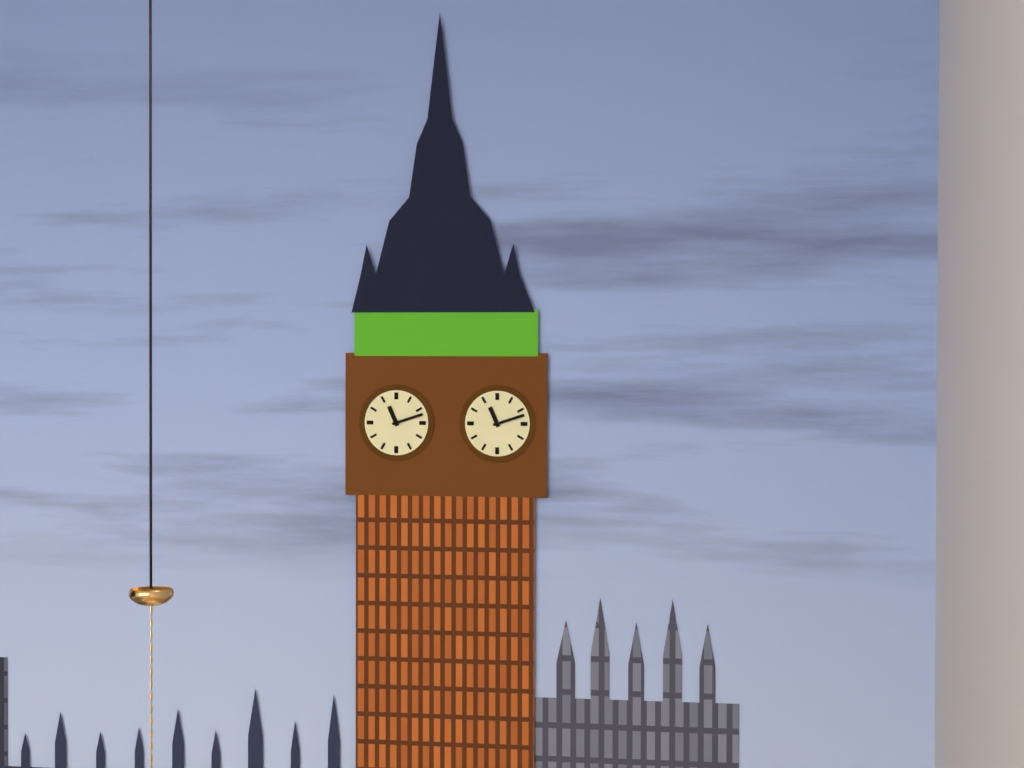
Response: **11:12**
